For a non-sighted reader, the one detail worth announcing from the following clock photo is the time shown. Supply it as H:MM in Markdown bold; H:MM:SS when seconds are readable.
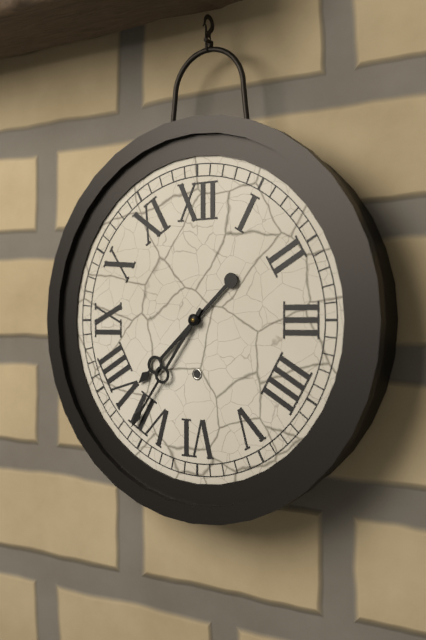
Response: **7:36**
